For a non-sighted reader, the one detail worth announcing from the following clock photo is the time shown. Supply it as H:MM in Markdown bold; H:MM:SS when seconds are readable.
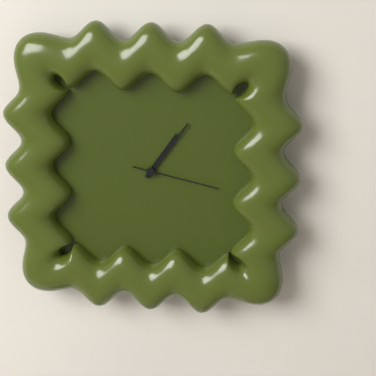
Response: **1:06:17**
